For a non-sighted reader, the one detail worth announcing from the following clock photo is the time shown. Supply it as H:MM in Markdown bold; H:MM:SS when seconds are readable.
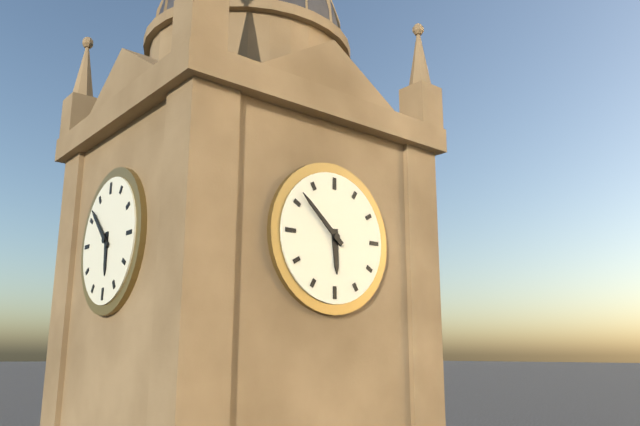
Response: **5:52**
